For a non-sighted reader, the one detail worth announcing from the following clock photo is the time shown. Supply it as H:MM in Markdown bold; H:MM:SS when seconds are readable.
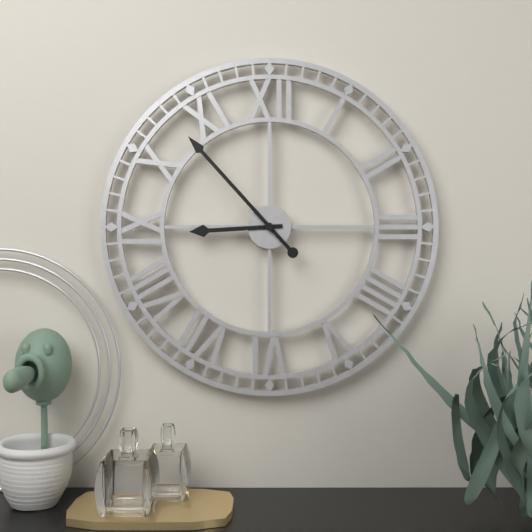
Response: **8:53**
